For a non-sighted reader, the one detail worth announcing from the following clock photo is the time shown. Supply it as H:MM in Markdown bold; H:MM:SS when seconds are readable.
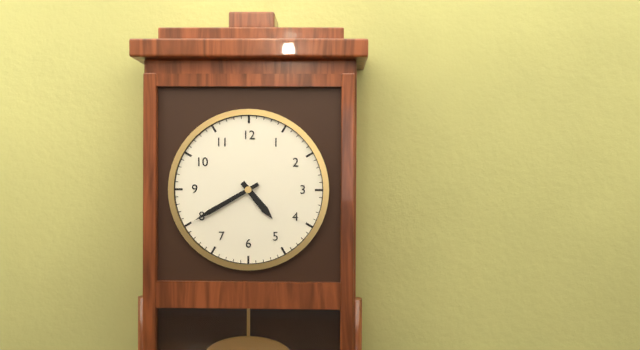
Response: **4:40**
